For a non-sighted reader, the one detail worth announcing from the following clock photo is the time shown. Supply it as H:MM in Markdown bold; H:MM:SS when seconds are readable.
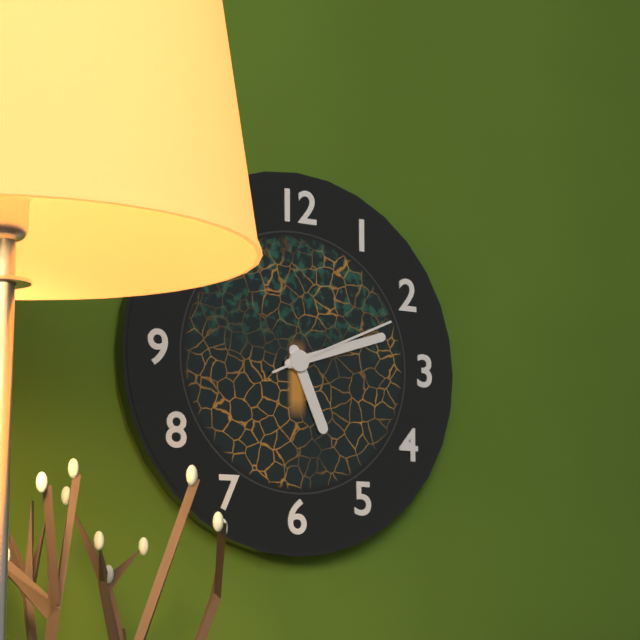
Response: **5:12:11**
